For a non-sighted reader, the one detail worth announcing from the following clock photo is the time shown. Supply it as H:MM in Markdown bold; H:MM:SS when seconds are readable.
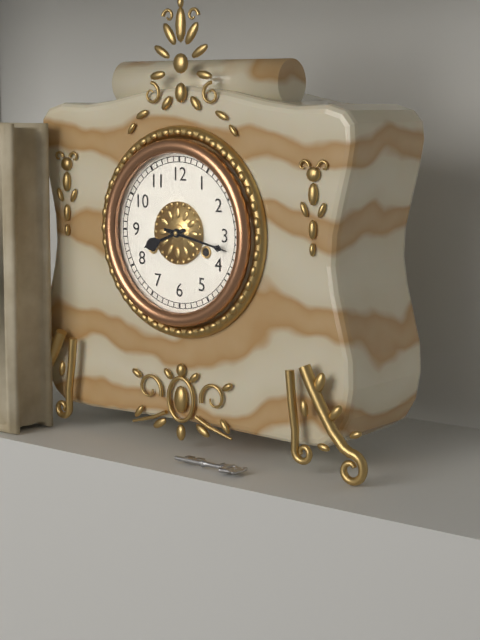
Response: **8:17**
